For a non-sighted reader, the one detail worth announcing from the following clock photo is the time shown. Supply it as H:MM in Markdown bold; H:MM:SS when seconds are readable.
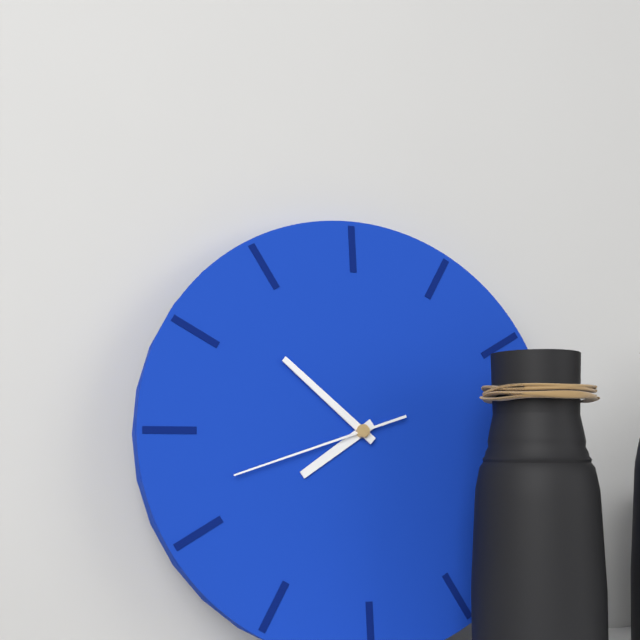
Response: **7:52:42**
